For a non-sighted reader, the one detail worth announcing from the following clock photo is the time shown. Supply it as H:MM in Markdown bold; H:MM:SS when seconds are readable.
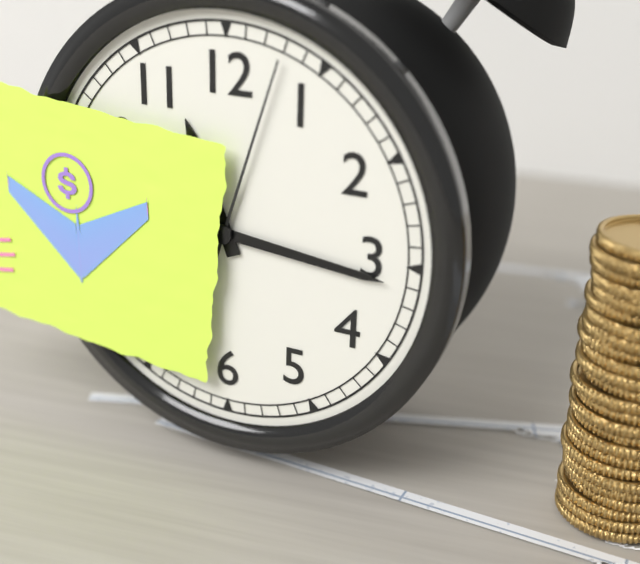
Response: **11:16:03**
